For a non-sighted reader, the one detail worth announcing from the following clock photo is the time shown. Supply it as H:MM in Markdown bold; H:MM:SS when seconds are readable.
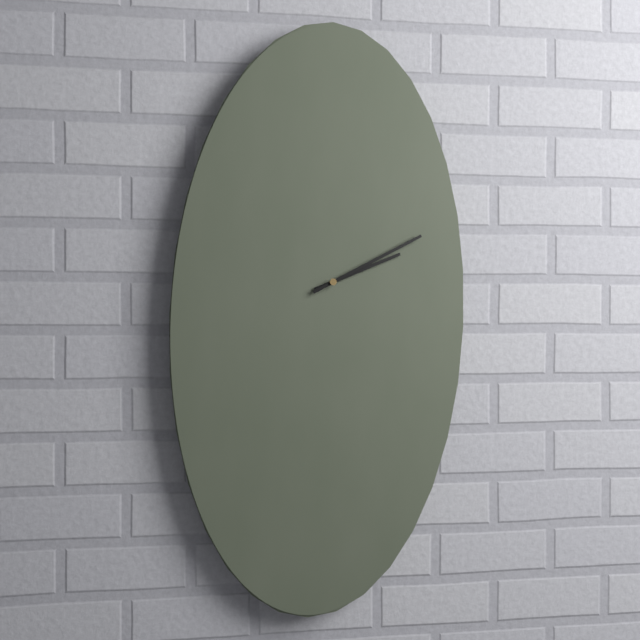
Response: **2:10**
